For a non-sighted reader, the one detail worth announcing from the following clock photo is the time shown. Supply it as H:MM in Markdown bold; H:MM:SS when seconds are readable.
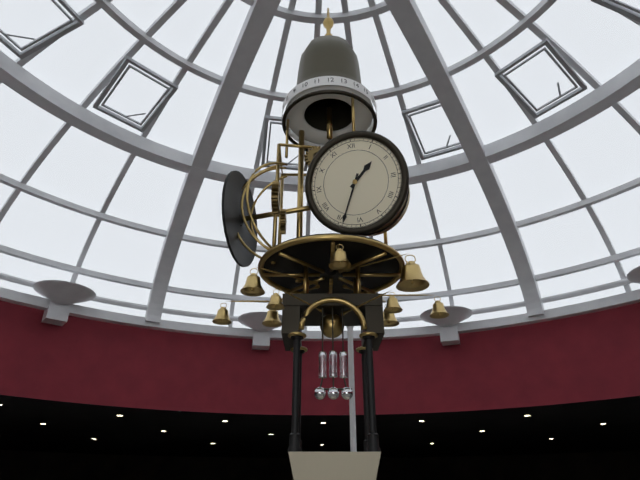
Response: **1:34**
